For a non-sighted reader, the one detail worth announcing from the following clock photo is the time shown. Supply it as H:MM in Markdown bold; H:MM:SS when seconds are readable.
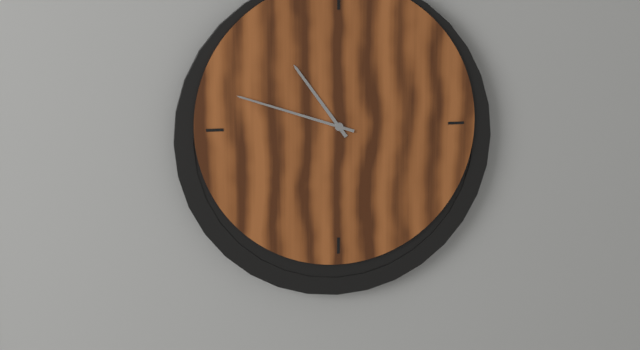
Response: **10:48**
